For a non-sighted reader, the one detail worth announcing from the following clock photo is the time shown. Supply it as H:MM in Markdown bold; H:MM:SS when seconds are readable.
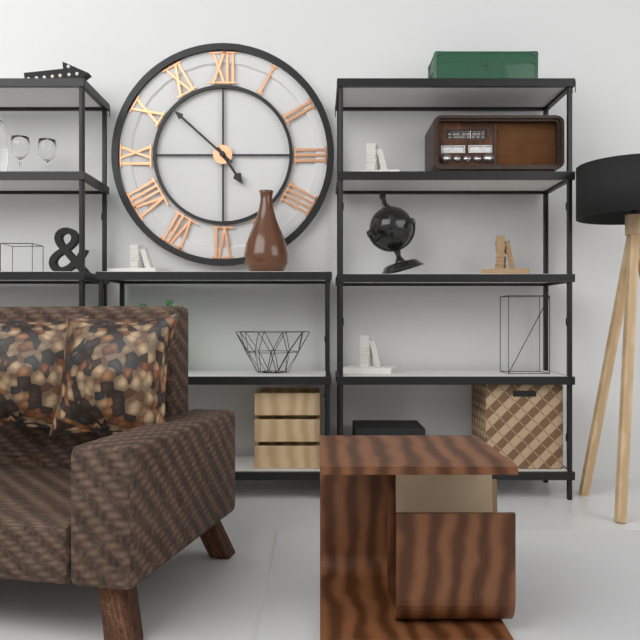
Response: **4:52**
